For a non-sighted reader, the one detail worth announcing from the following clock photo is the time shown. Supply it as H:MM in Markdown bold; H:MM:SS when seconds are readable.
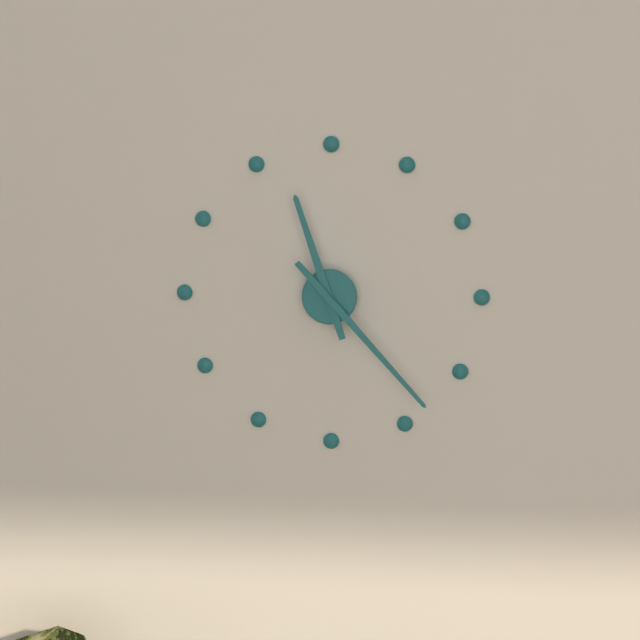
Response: **11:23**
